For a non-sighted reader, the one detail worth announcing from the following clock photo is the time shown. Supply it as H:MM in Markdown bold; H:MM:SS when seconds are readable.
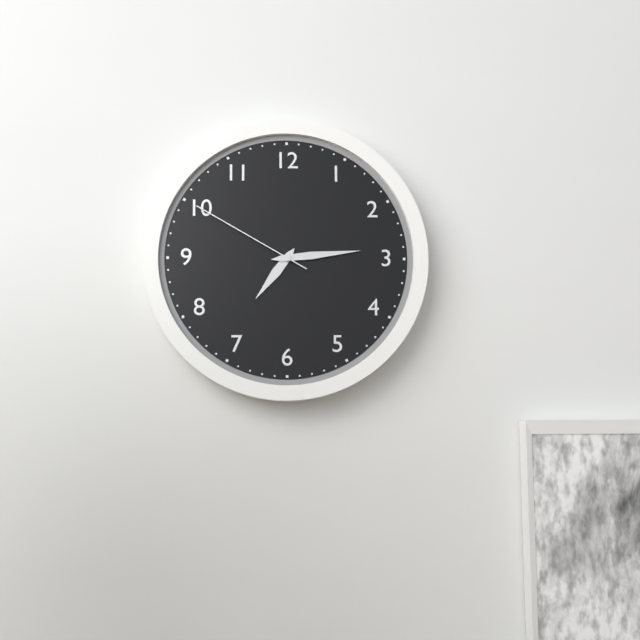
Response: **7:14:50**
